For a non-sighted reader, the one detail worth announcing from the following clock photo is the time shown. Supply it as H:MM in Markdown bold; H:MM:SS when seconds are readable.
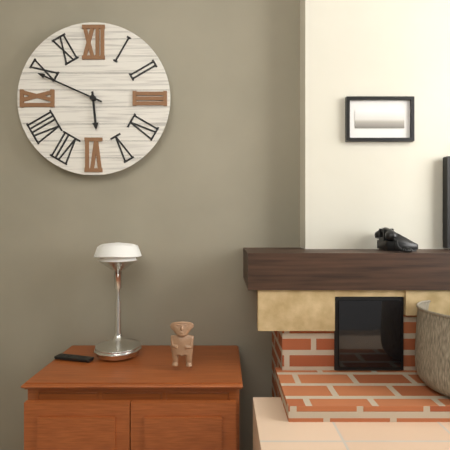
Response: **5:49**
